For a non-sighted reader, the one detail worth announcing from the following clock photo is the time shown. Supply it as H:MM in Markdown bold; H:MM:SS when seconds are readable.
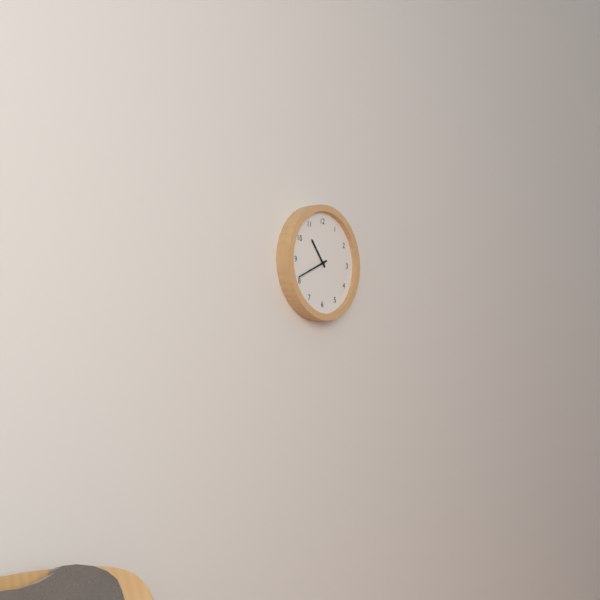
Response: **10:41**
